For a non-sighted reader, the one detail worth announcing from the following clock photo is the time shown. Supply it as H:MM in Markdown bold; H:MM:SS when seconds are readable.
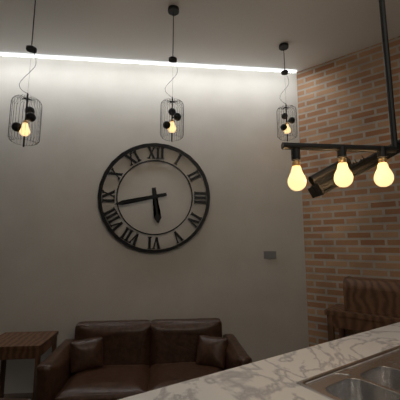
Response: **5:43**
